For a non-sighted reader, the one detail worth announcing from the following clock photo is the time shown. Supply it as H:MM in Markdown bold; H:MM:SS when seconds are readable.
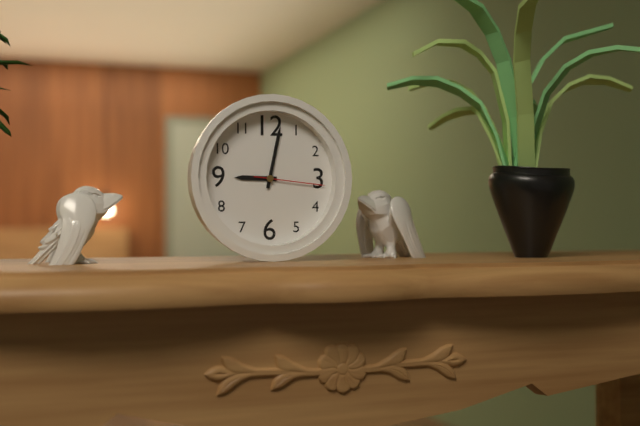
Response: **9:02:16**
